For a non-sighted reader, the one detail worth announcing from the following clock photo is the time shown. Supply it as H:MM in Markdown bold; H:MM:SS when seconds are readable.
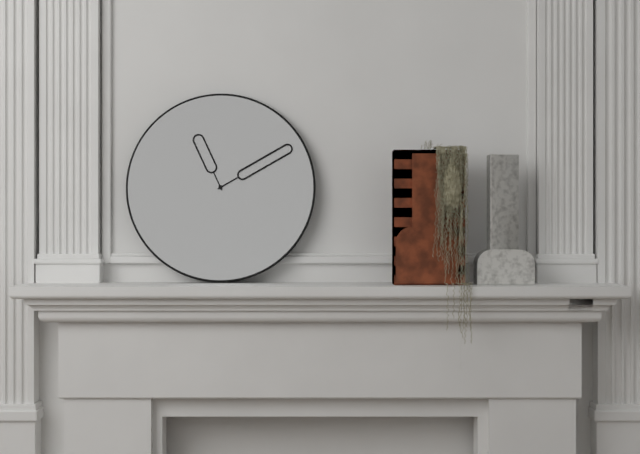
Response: **11:10**
